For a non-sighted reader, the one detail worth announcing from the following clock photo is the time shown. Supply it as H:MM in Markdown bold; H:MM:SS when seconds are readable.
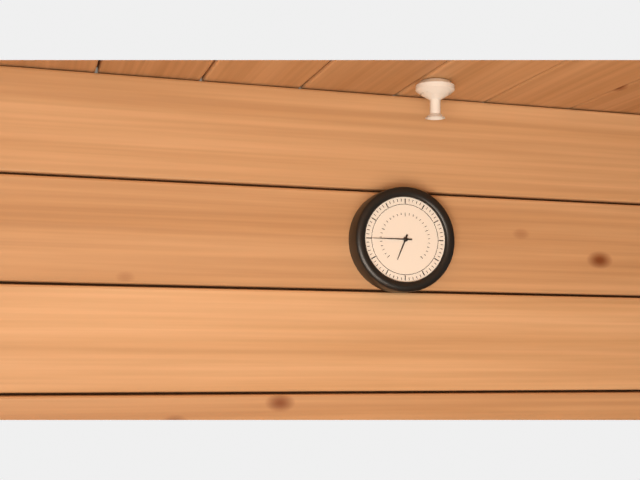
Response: **6:45**
